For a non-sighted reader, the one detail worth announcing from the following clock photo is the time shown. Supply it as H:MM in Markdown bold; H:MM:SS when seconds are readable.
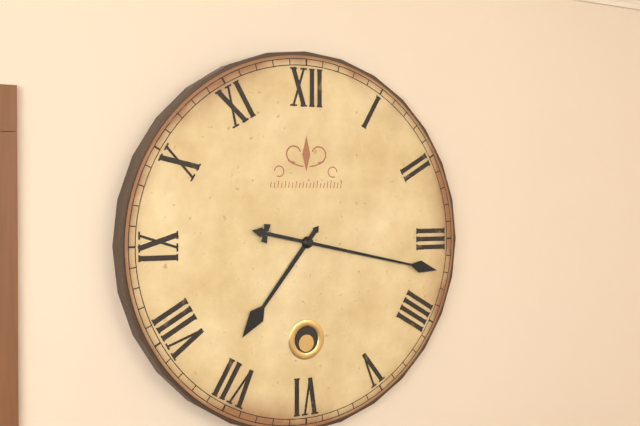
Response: **7:17**
